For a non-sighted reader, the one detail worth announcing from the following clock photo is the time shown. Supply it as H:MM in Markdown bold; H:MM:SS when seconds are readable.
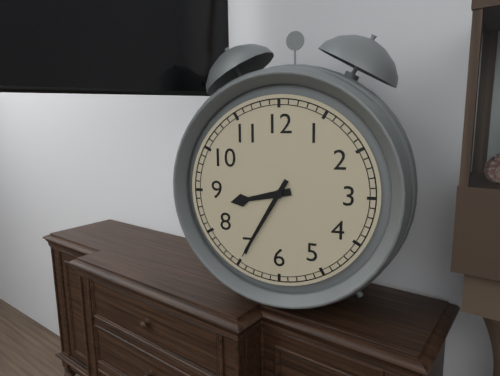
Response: **8:35**
